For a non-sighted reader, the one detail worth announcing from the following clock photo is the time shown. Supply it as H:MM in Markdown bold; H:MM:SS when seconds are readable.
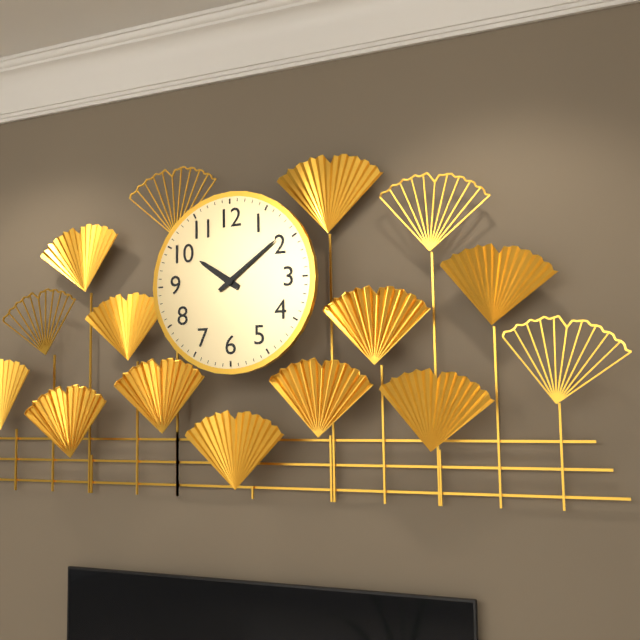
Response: **10:09**
